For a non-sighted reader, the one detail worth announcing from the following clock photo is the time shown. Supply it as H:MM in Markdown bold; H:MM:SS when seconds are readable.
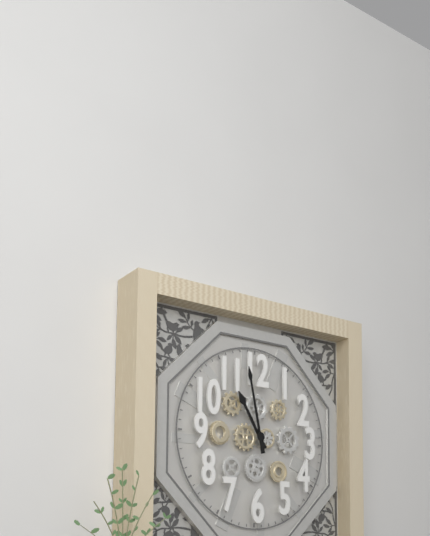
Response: **10:58**
